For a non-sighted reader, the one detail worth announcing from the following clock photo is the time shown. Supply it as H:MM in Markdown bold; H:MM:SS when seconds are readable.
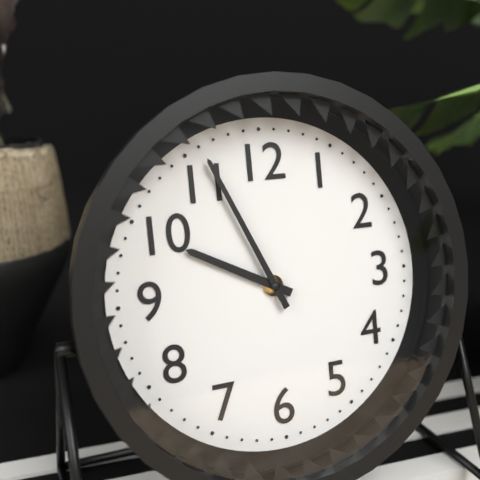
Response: **9:56**
